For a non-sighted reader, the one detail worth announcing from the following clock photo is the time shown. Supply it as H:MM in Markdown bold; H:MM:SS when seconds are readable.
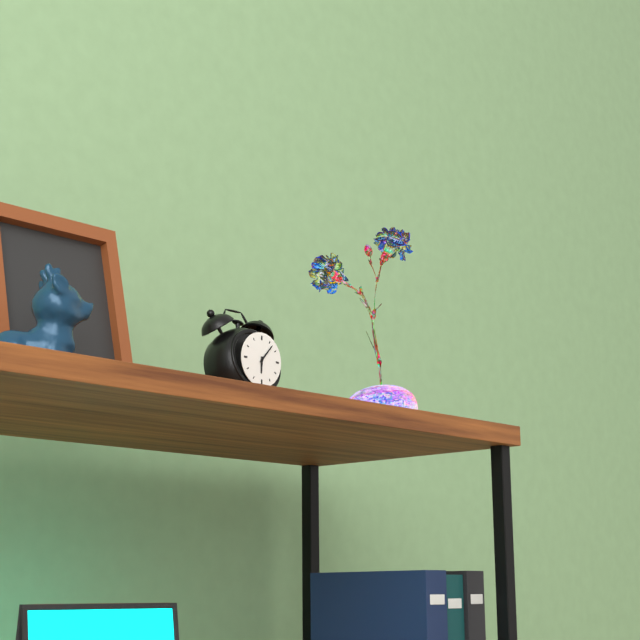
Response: **6:07**
